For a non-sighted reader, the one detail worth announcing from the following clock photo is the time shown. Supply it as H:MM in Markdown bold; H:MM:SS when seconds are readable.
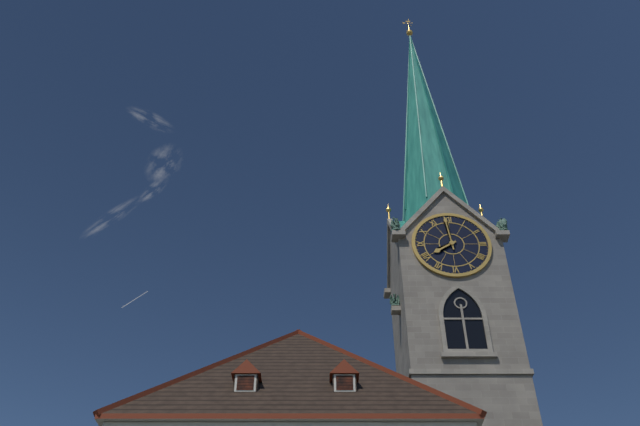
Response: **7:59**
